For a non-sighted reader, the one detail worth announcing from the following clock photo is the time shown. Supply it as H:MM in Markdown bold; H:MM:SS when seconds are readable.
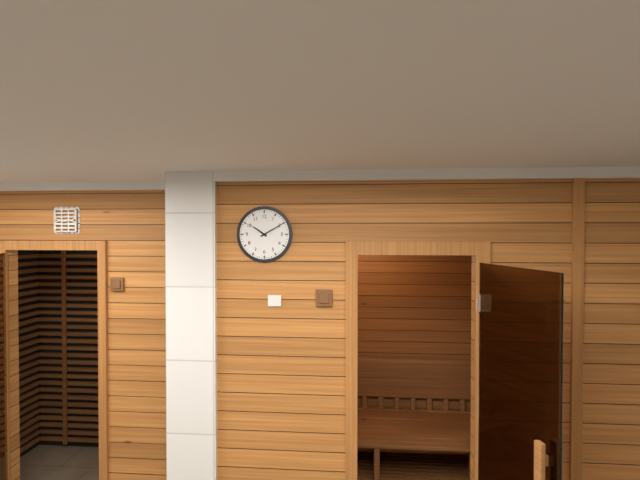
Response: **10:10**
